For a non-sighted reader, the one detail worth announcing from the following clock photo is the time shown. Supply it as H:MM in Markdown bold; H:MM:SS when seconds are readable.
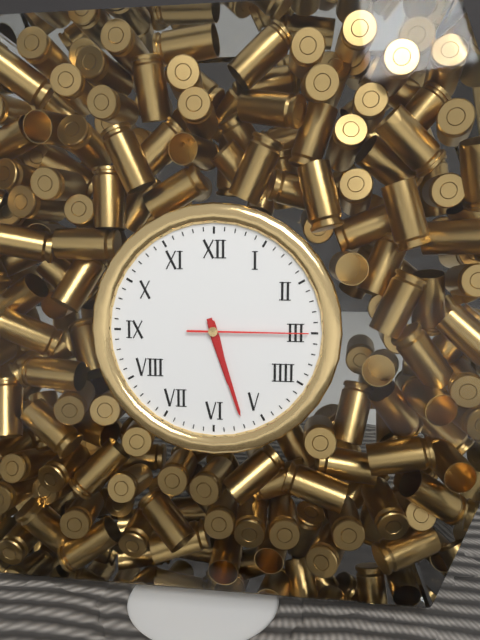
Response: **5:27:15**
